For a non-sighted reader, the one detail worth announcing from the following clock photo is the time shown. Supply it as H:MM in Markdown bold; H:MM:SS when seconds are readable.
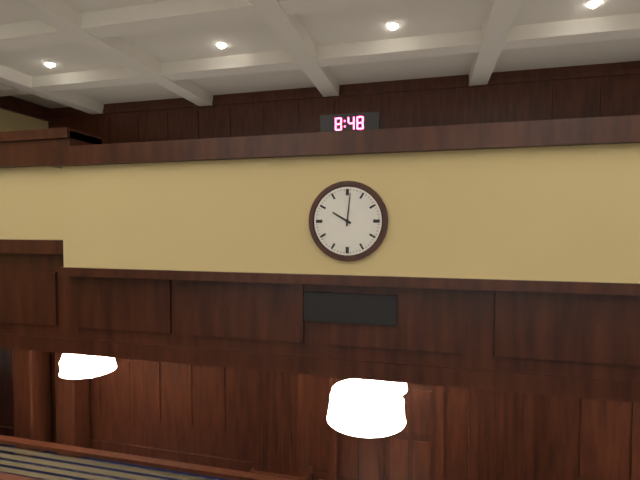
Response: **10:01**
